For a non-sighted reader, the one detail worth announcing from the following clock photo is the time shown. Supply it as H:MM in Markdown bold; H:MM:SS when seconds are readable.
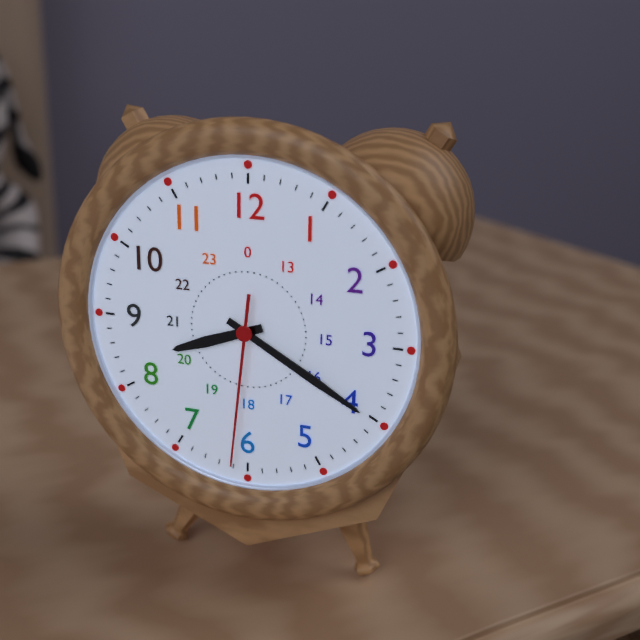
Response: **8:20:31**
